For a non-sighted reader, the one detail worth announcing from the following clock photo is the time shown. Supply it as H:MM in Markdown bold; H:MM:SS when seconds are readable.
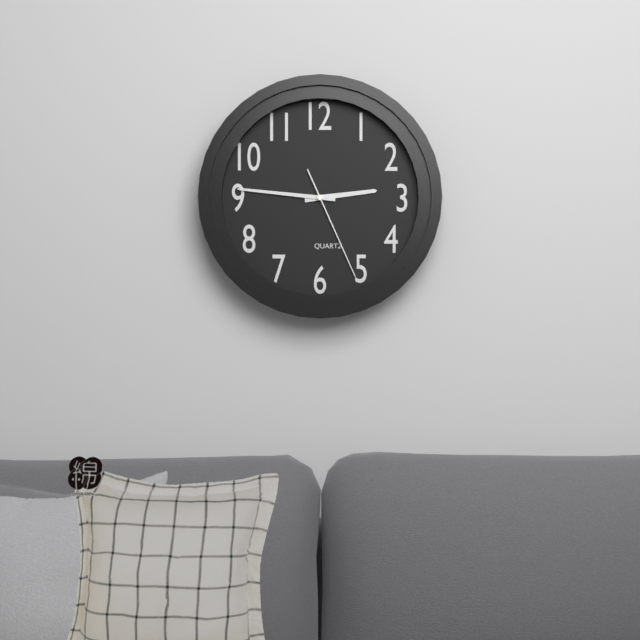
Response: **2:46:26**
